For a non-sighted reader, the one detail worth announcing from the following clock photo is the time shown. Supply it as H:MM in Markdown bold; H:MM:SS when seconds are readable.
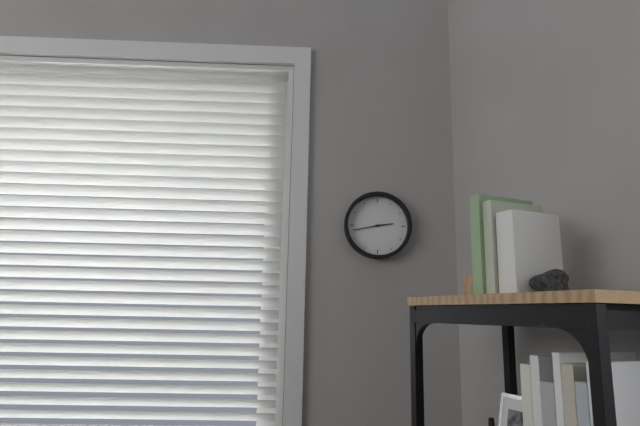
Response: **2:43**
